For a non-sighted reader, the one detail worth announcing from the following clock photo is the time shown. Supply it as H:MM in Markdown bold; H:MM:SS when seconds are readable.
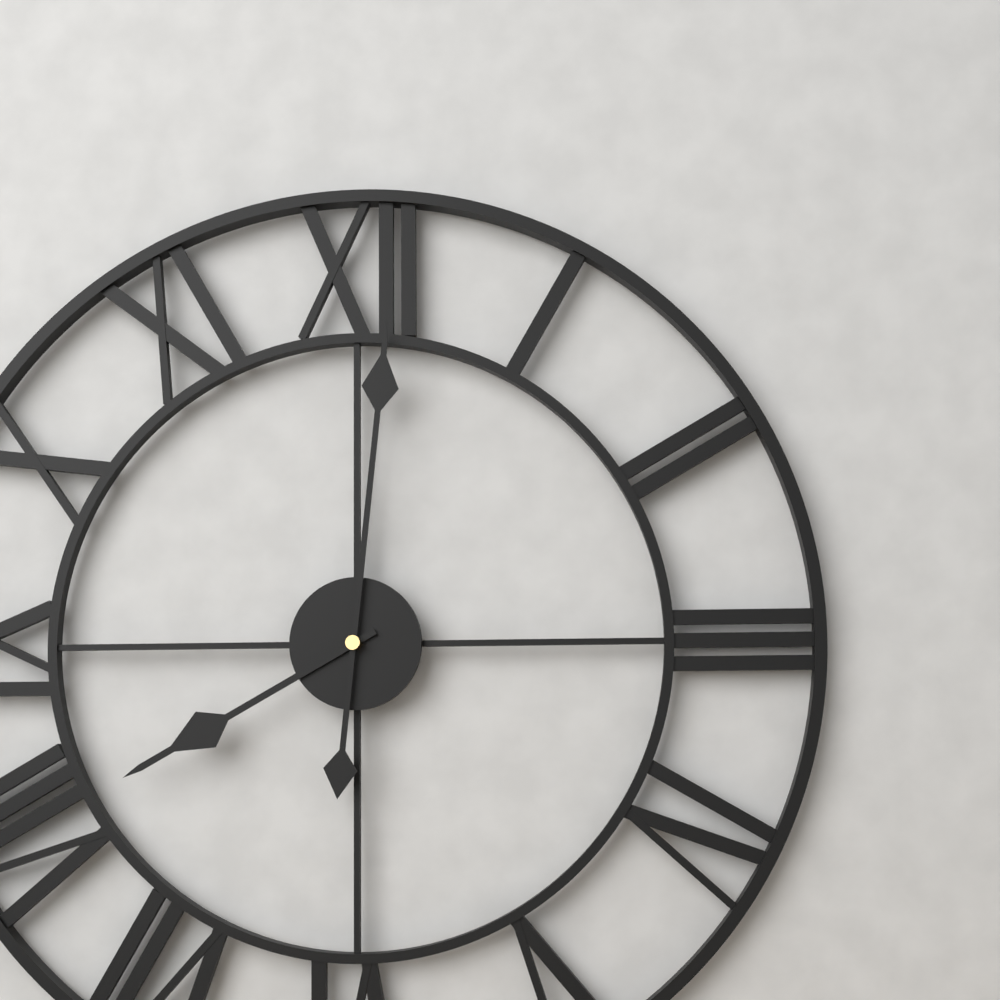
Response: **8:01**
